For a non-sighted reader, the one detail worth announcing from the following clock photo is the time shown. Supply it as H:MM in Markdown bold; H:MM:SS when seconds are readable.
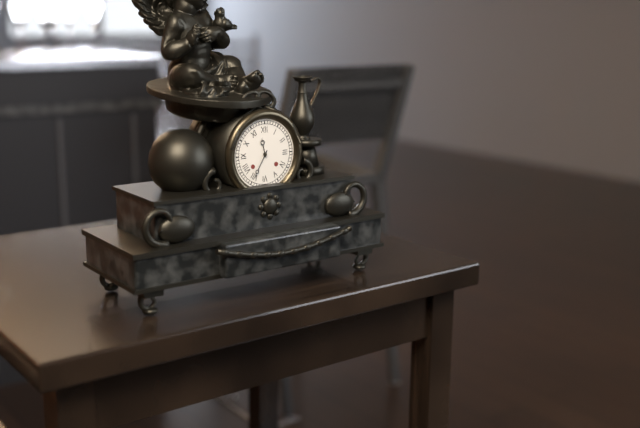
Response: **11:35**
